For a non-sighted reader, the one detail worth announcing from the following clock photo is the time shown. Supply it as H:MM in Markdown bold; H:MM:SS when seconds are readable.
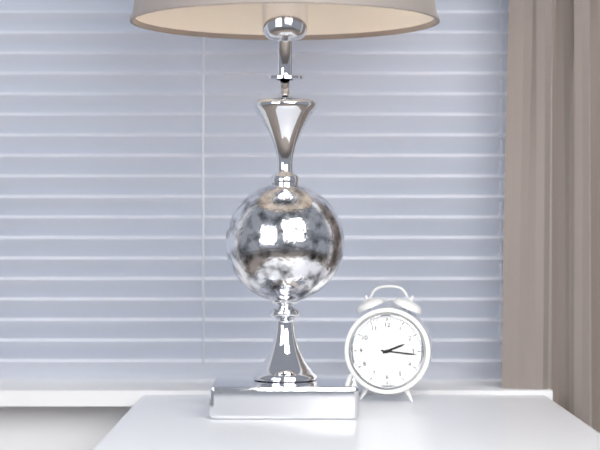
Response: **2:16**
